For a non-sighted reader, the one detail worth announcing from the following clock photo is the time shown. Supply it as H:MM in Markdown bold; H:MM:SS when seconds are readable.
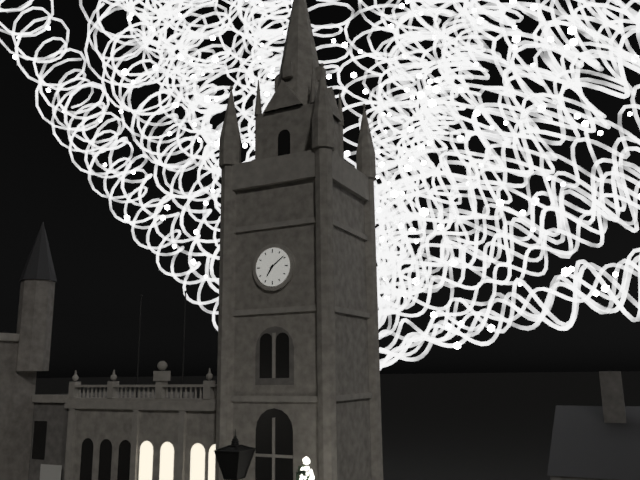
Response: **7:09**
